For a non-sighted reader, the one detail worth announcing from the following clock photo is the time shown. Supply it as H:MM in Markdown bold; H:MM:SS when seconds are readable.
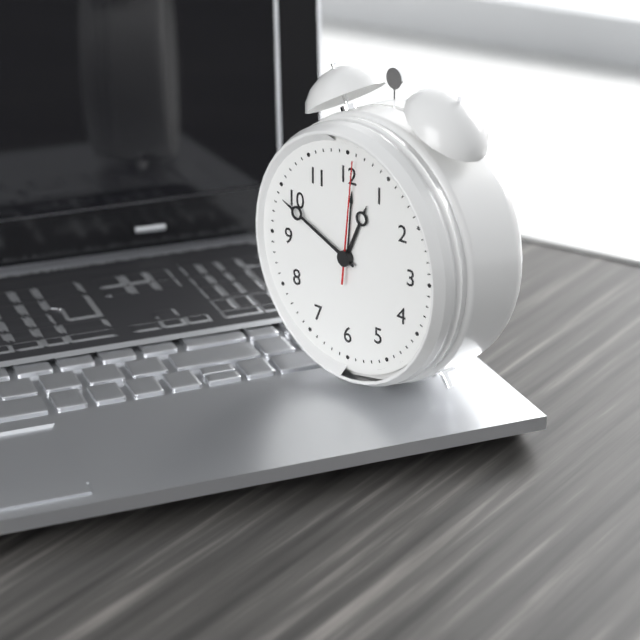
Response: **12:49:01**
